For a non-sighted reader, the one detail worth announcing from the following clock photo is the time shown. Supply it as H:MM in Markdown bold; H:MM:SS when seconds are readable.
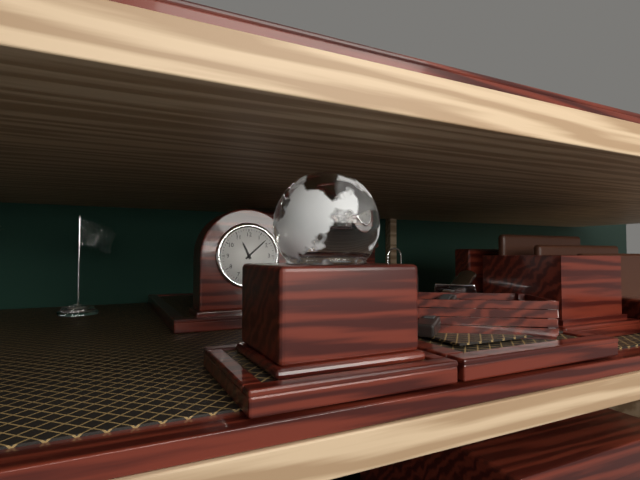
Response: **11:08**
